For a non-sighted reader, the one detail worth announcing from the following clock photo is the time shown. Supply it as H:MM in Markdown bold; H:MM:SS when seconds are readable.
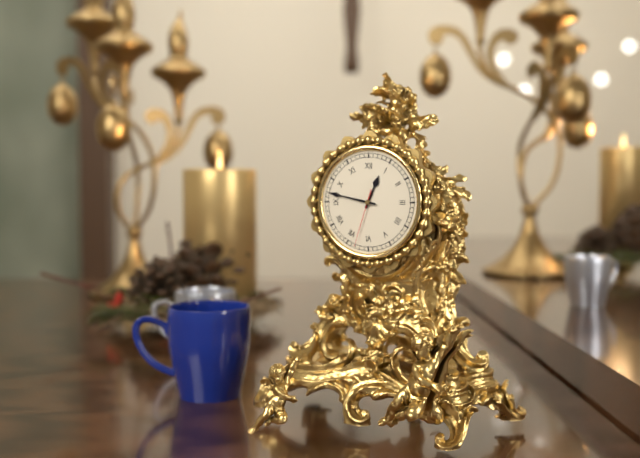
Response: **12:47:33**
